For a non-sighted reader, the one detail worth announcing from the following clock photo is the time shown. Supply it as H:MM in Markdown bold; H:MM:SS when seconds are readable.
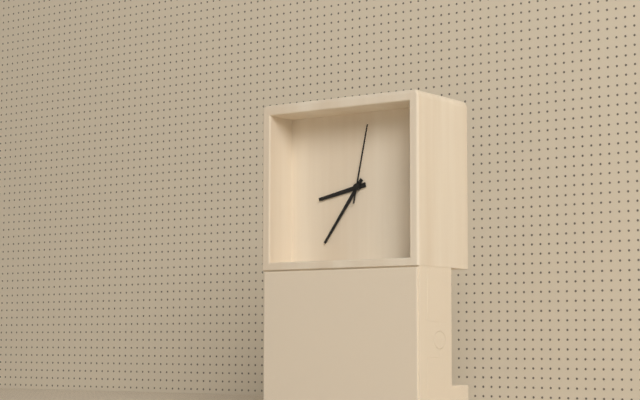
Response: **8:36:02**
